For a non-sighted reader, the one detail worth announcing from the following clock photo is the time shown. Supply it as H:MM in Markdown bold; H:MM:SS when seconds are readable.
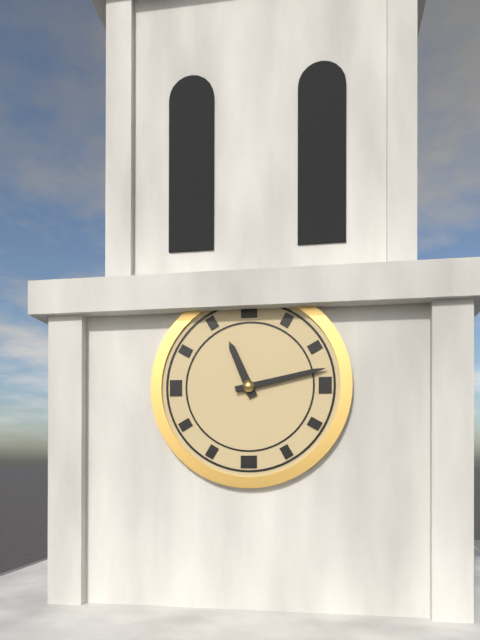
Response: **11:13**
